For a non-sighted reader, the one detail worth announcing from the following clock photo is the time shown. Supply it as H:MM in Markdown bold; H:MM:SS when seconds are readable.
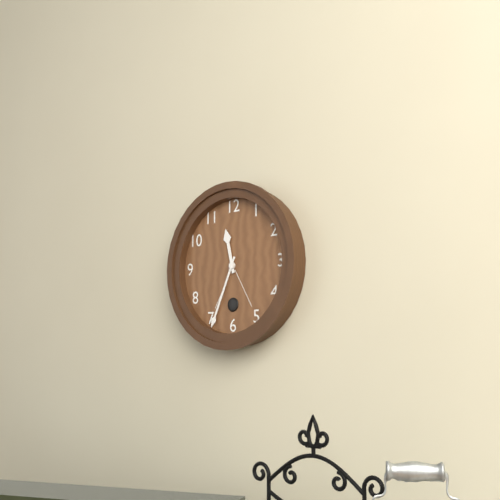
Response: **11:34**
